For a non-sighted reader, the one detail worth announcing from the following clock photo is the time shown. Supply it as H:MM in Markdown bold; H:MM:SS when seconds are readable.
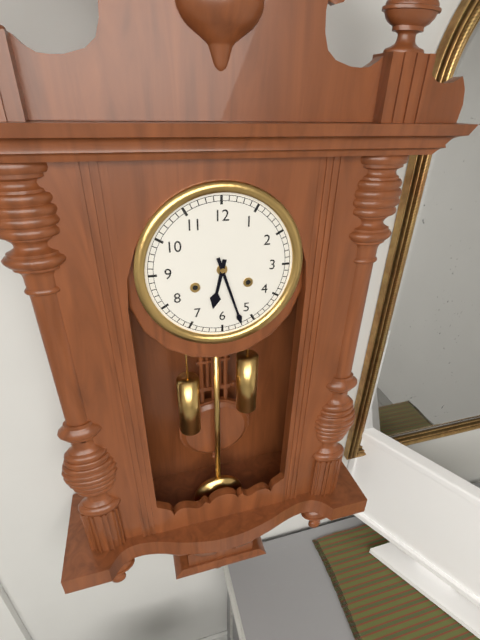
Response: **6:27**
